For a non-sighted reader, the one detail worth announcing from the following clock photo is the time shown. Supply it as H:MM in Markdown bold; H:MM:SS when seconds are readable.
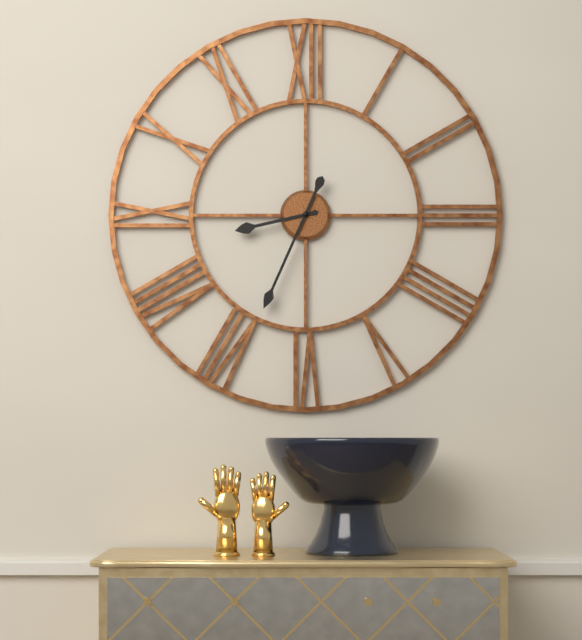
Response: **8:34**
